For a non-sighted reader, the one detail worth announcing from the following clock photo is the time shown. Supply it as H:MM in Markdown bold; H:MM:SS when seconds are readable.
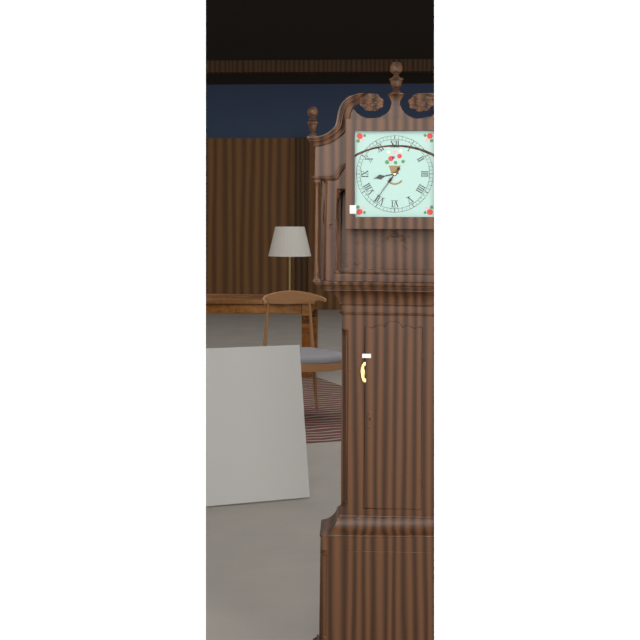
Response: **8:36**
